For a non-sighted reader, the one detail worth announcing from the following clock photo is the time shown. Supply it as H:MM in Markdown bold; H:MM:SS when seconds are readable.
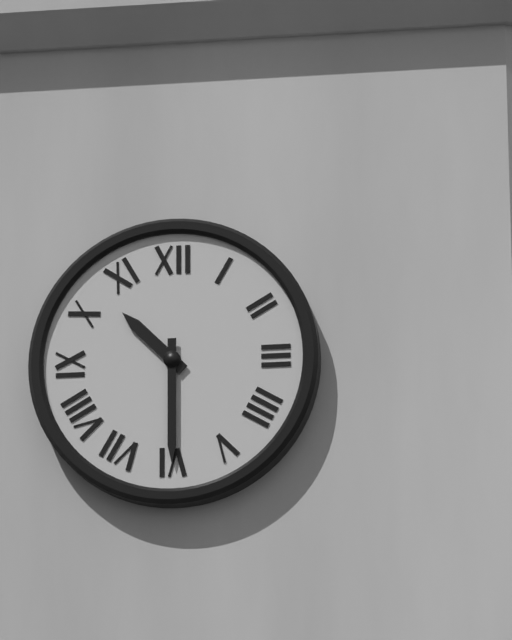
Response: **10:30**
